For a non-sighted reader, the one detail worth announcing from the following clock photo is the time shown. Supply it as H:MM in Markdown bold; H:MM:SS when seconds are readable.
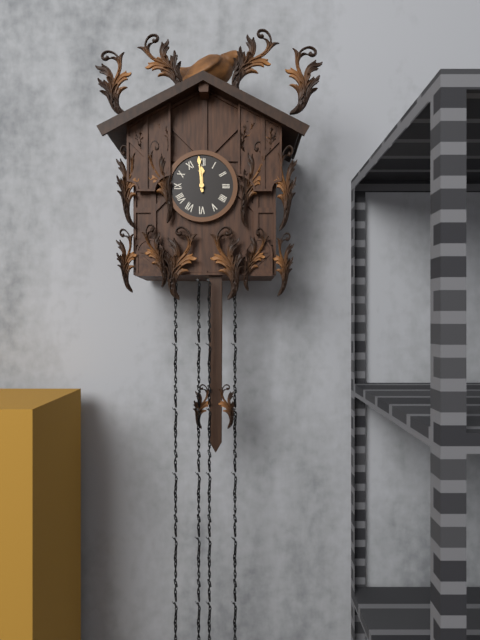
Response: **11:59**
